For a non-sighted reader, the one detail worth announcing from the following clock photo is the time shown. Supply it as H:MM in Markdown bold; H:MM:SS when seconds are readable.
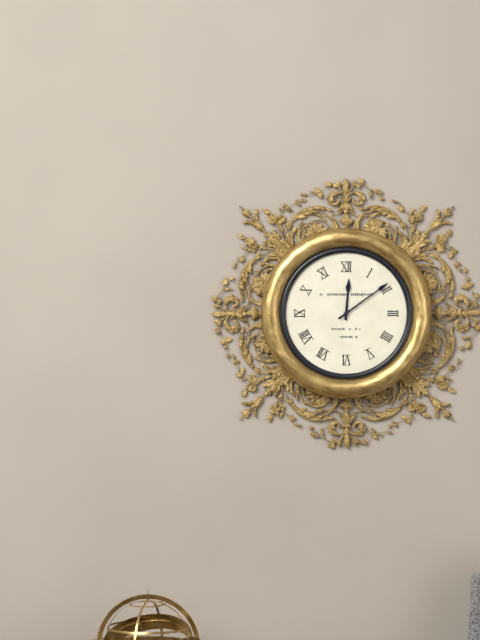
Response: **12:09**
